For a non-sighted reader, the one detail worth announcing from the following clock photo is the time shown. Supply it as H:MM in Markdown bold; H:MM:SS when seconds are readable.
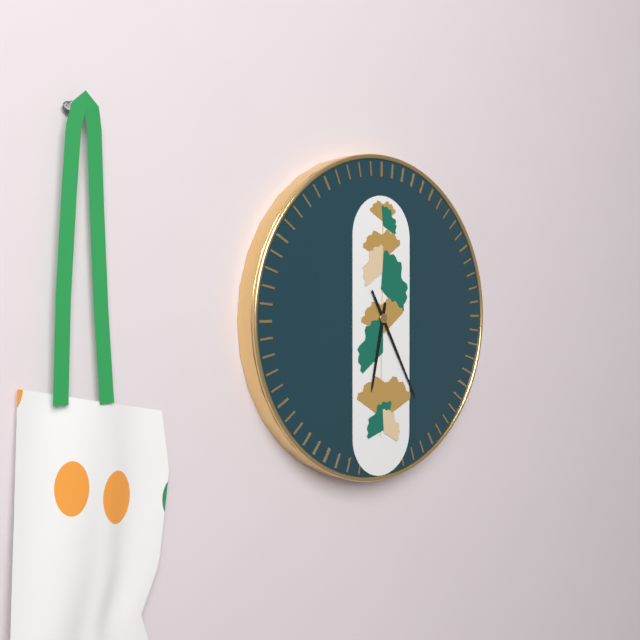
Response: **6:25**
